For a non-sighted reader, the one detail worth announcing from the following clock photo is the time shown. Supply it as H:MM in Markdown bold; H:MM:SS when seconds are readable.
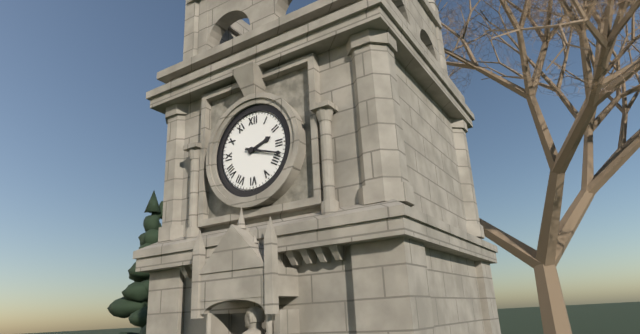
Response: **2:18**
